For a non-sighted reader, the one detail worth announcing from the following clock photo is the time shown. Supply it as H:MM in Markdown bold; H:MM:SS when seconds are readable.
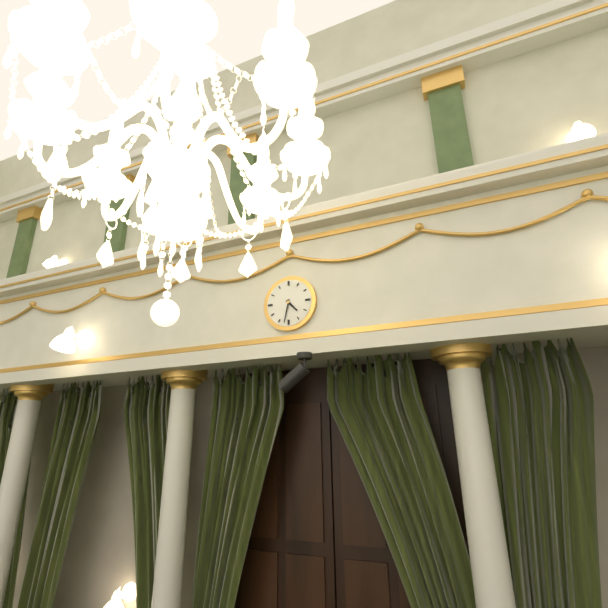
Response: **4:32**
